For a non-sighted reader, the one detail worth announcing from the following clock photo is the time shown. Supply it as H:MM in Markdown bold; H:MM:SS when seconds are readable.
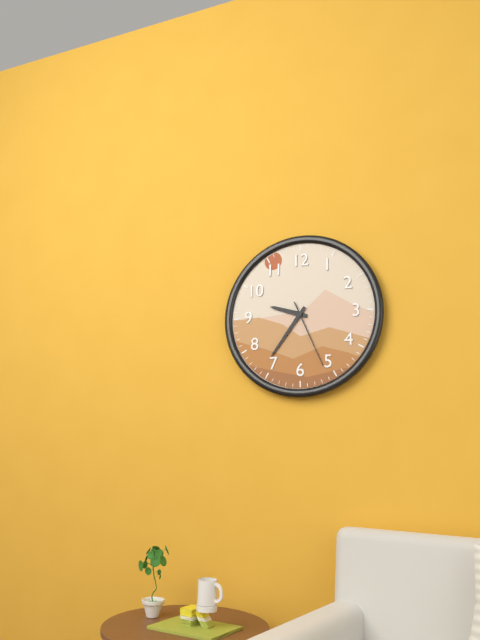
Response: **9:36:26**
